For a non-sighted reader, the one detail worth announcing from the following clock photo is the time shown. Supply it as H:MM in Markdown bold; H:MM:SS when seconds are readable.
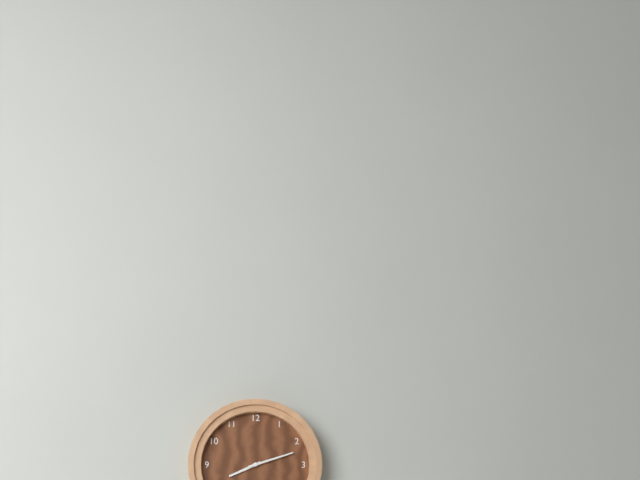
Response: **8:12**
